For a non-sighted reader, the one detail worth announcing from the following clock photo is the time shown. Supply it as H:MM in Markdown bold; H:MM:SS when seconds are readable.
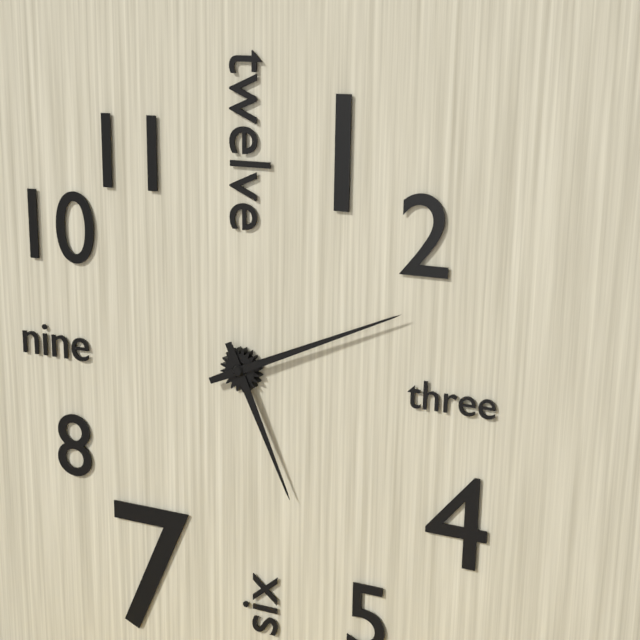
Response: **5:11**
